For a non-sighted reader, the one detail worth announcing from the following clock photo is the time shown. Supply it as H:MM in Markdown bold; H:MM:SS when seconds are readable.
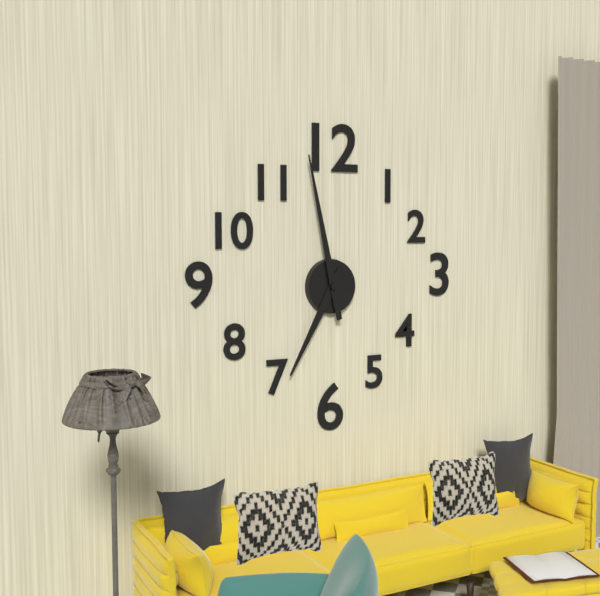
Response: **6:58**
